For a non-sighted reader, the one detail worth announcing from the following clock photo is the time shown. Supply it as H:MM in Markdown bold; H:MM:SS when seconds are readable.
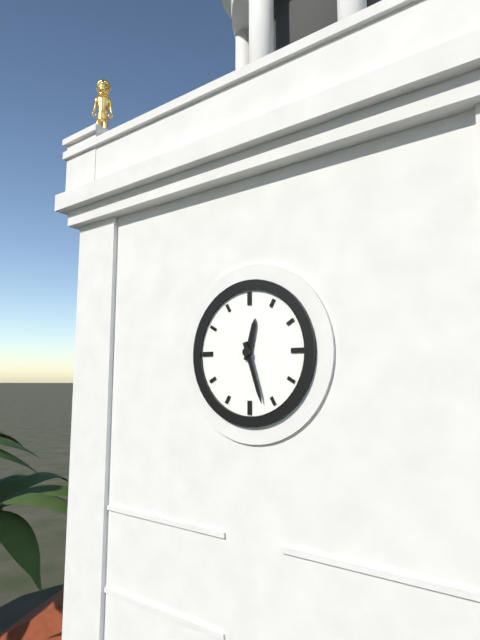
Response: **12:27**
